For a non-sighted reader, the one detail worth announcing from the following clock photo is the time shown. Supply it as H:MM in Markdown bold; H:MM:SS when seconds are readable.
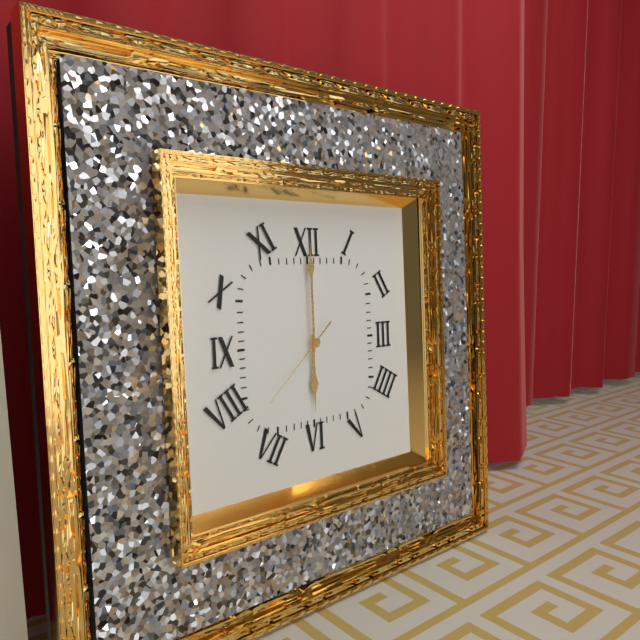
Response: **6:00:38**
